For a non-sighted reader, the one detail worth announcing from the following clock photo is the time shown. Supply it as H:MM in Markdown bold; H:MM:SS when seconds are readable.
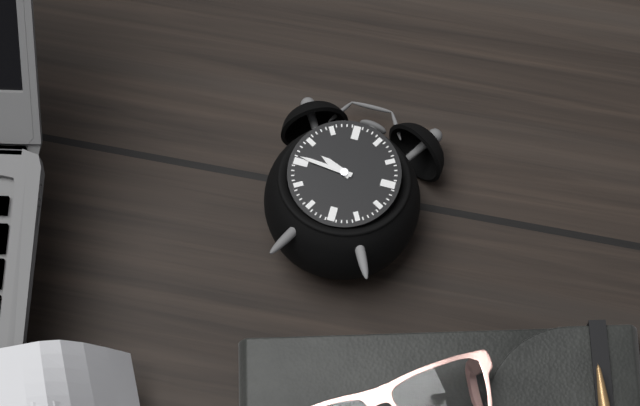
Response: **9:46**
